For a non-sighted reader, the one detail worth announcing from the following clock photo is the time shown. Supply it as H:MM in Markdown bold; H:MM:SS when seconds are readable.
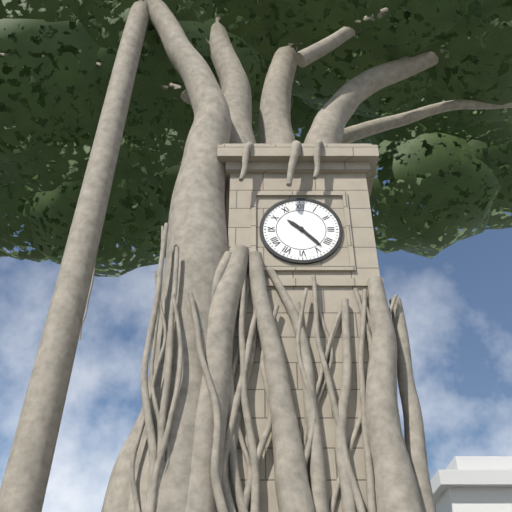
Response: **10:23**
